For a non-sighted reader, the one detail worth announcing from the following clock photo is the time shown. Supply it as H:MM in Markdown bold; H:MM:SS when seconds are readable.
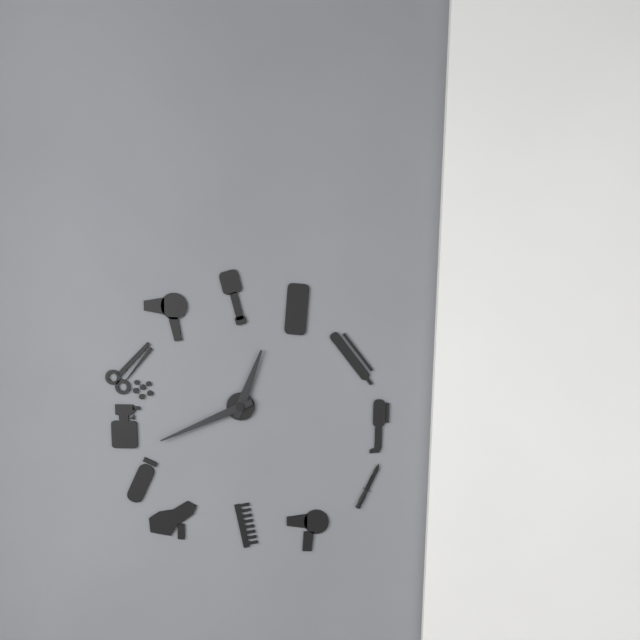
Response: **12:41**
